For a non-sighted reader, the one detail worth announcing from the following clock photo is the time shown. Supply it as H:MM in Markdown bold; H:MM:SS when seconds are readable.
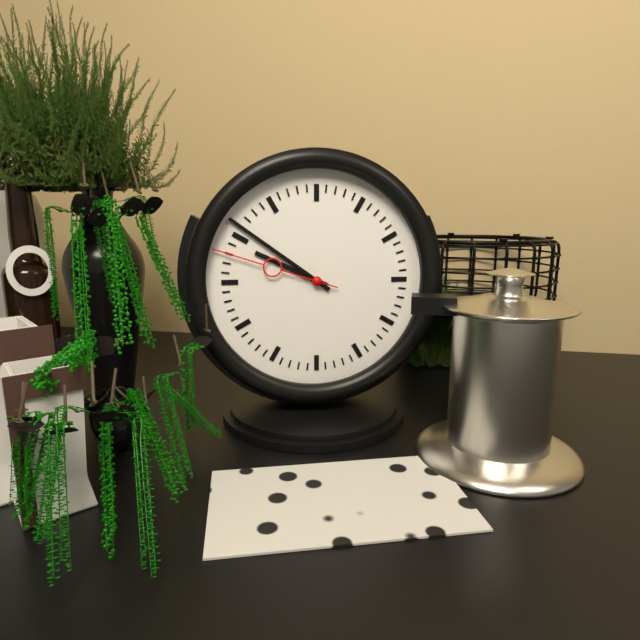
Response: **9:51:48**
